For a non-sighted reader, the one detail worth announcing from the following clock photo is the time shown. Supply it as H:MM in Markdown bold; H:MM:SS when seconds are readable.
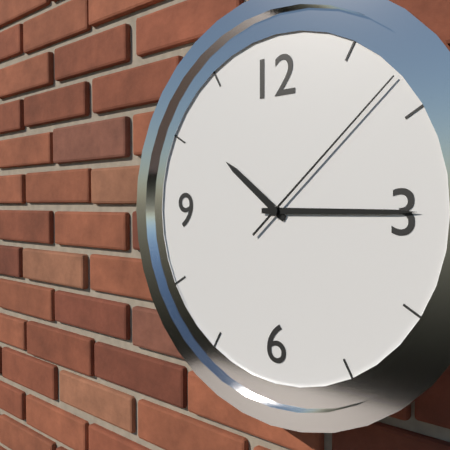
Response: **10:15:08**
